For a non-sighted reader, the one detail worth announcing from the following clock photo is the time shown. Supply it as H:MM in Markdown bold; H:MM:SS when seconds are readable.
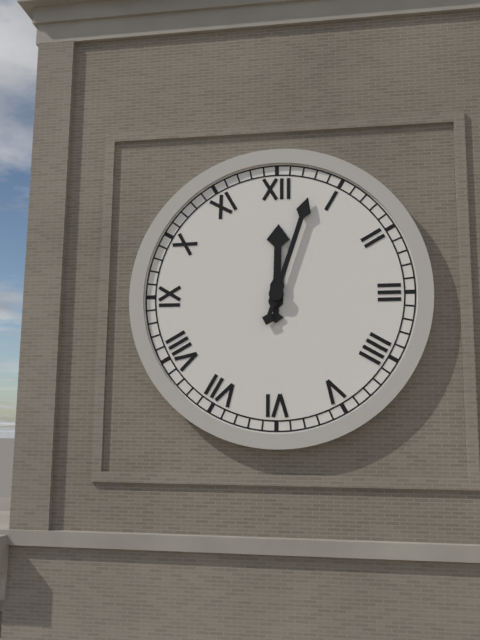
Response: **12:03**
